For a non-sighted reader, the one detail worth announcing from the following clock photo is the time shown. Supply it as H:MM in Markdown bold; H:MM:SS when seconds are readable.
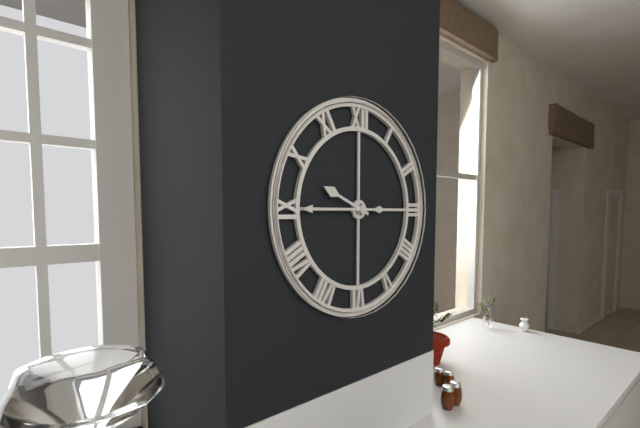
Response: **9:45**
